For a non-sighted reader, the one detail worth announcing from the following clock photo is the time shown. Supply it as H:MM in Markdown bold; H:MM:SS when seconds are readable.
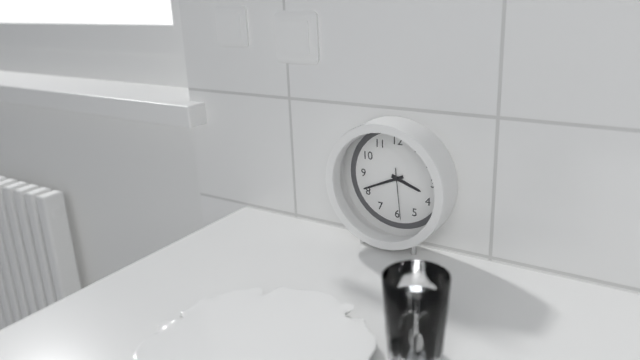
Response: **3:41:29**
